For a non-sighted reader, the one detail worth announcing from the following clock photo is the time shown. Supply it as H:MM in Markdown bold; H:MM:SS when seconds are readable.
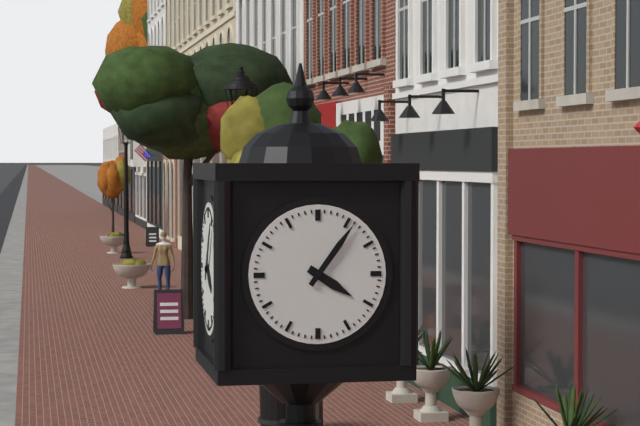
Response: **4:06**
